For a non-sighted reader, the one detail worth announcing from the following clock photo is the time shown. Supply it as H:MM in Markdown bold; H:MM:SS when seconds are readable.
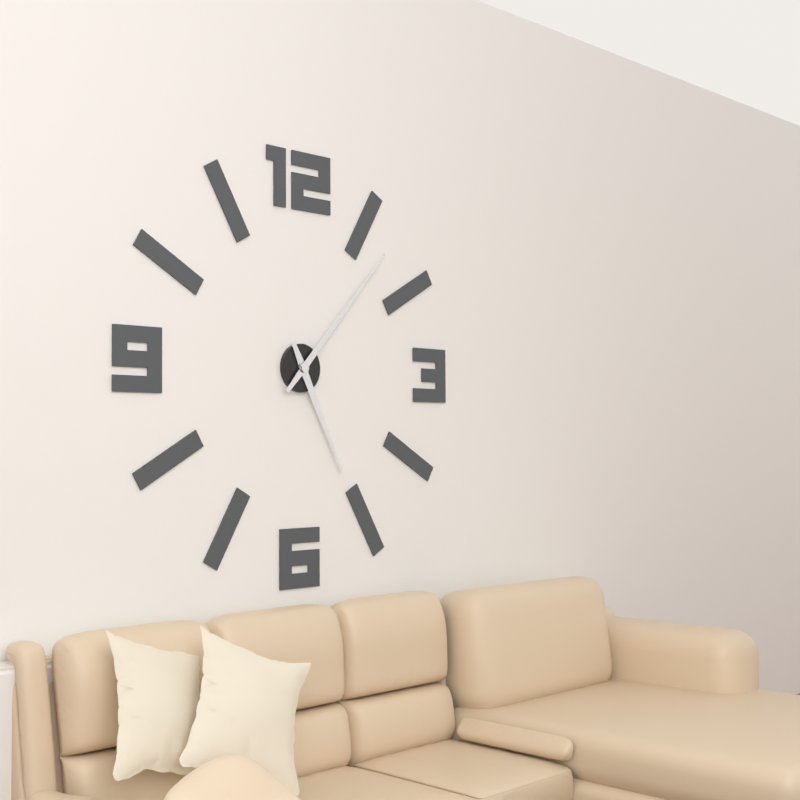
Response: **5:07**
